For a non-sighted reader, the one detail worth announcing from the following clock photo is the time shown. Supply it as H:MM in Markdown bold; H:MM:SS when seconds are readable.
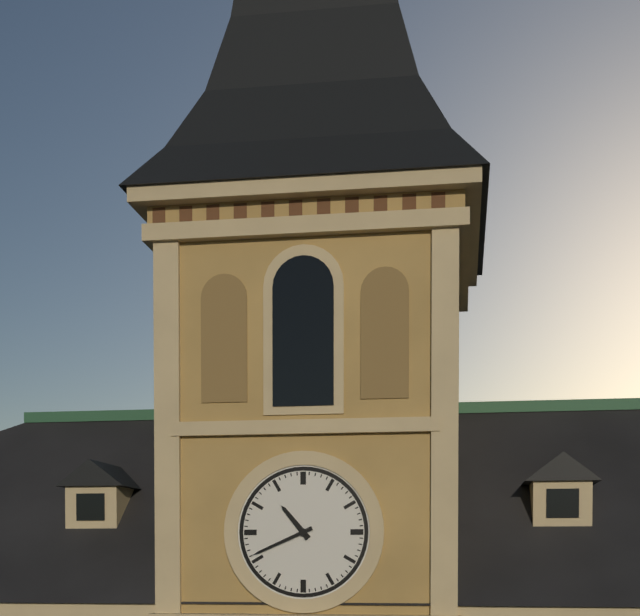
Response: **10:41**
